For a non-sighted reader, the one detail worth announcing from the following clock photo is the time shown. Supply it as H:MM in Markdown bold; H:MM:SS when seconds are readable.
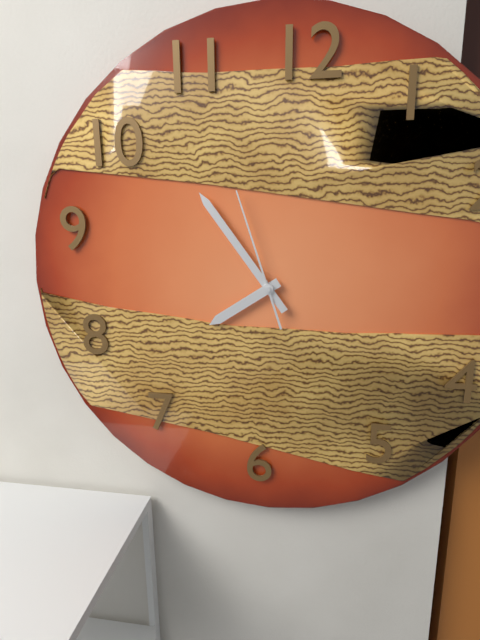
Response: **7:54:57**
